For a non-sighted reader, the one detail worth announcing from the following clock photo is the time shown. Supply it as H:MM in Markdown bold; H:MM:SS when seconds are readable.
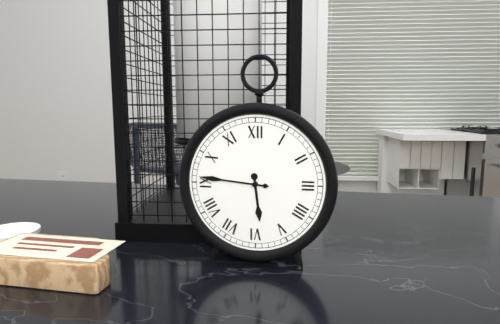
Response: **5:46**
